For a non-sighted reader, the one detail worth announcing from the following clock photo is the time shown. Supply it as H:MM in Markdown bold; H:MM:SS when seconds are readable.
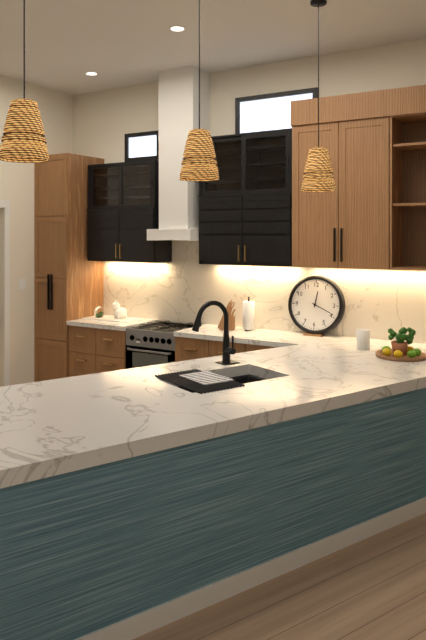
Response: **12:19**
